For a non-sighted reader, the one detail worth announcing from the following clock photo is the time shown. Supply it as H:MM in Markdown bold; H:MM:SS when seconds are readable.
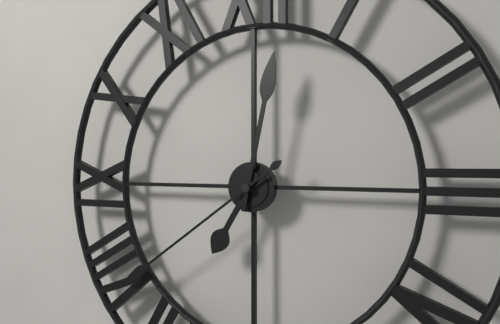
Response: **7:02:39**
